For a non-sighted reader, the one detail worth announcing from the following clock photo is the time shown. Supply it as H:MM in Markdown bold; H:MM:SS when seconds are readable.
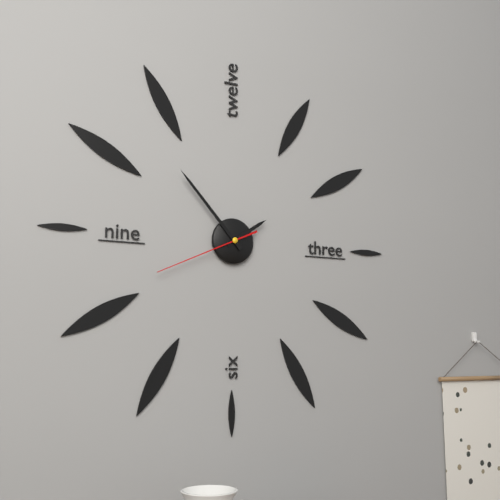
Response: **1:53:41**
